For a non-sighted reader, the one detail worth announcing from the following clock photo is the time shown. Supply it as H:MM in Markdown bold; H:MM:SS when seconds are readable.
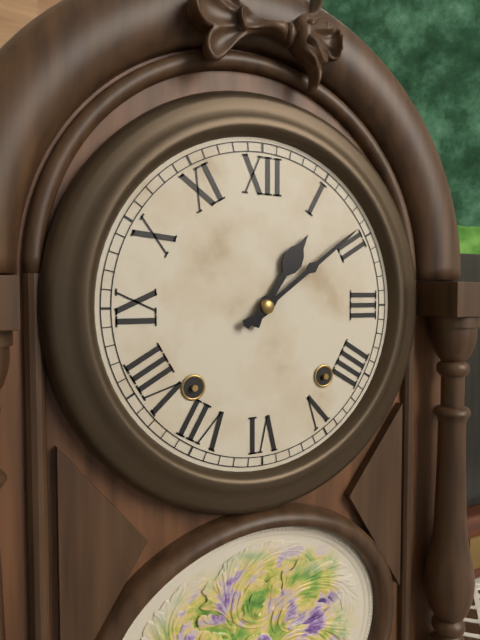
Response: **1:09**
